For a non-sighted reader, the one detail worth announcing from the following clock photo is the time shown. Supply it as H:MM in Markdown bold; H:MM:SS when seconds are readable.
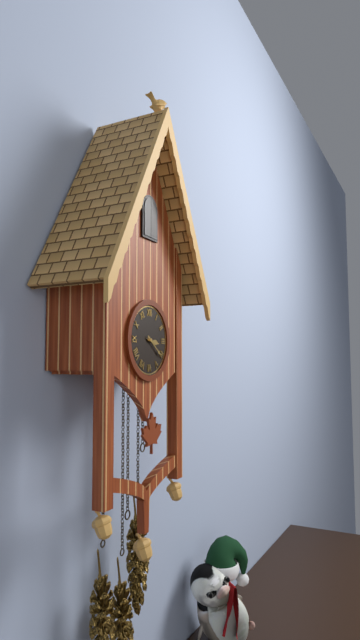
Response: **3:21**
